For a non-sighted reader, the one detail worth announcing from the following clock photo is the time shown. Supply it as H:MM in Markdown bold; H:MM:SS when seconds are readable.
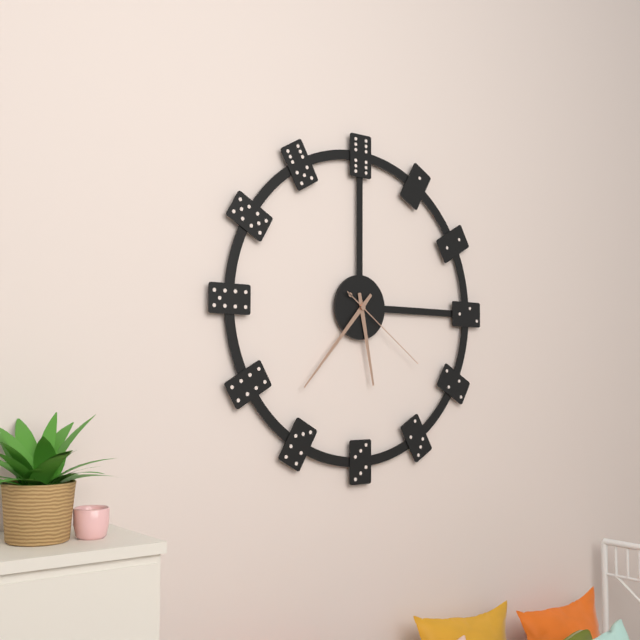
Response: **5:37:21**
